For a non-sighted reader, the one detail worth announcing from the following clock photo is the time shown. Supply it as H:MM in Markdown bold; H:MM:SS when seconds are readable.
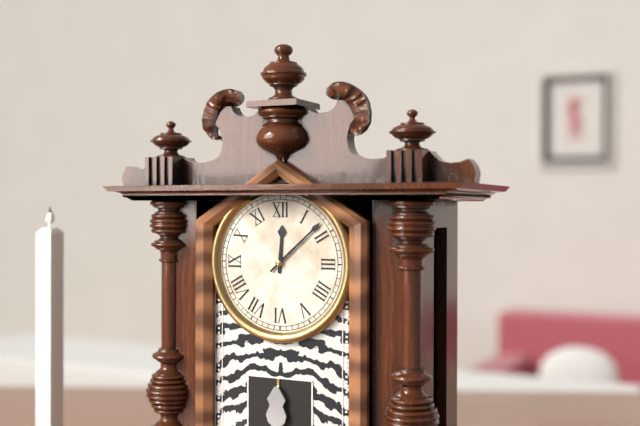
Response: **12:08**
